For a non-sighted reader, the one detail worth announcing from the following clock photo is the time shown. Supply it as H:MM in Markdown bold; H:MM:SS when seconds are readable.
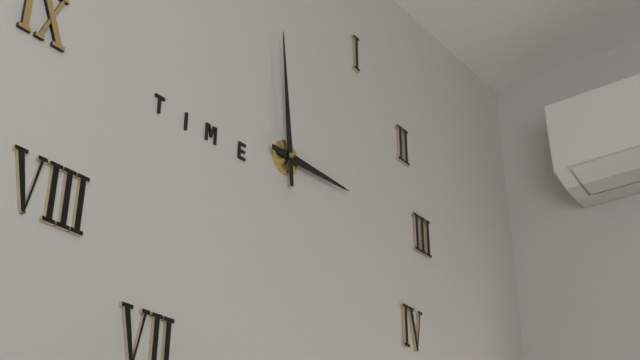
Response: **2:59**
